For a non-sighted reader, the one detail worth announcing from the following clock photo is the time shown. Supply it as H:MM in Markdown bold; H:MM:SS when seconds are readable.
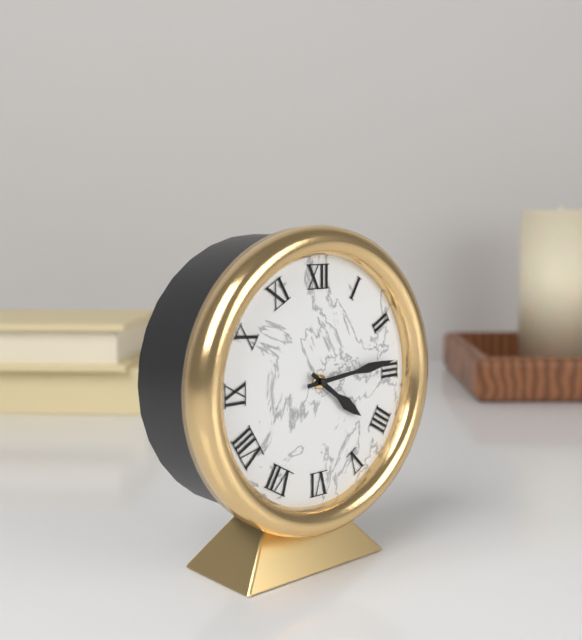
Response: **4:14**
